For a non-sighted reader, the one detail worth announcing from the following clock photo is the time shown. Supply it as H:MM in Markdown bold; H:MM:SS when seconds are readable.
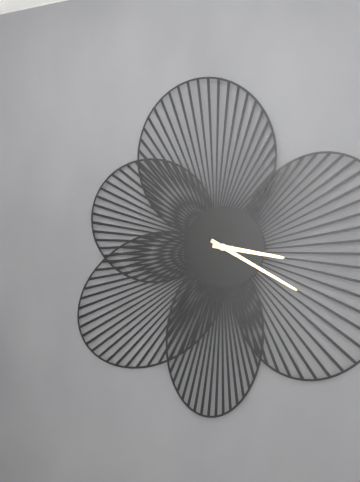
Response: **3:20**
